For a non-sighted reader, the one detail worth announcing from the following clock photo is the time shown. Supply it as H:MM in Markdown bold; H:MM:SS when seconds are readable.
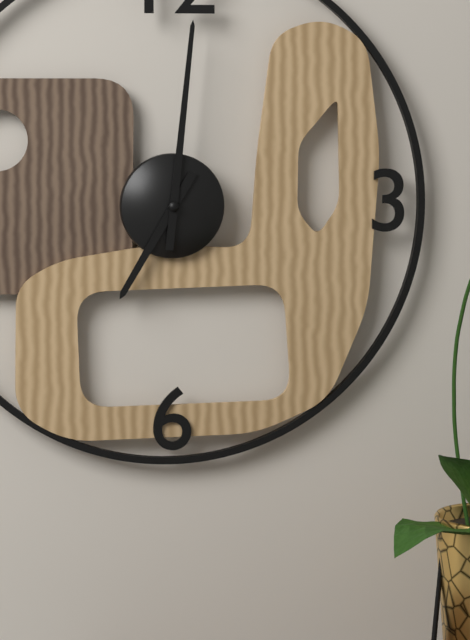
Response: **7:01**
